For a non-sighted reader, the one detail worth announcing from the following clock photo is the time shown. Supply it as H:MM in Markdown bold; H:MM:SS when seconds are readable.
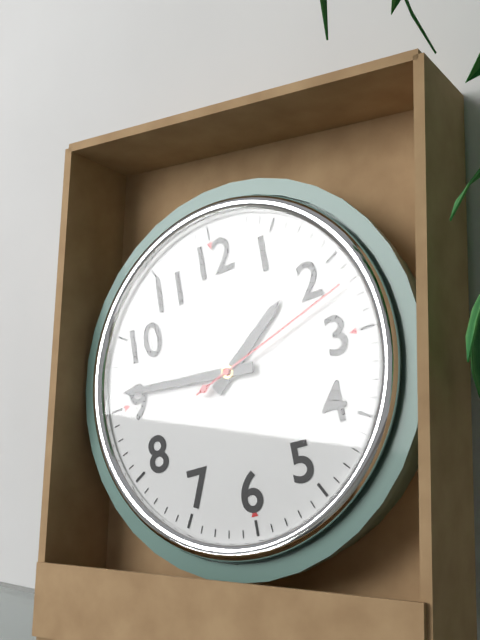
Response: **1:46:12**
